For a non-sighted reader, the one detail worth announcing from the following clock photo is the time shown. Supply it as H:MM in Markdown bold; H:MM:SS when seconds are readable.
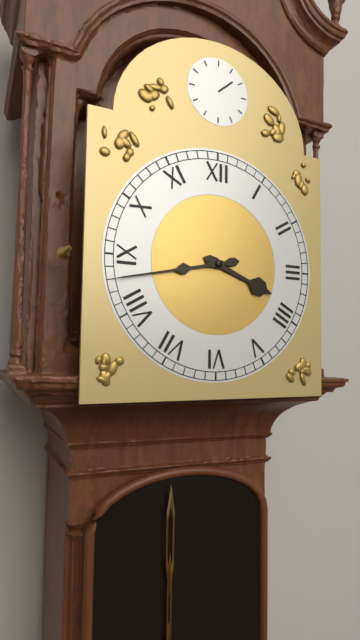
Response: **3:43**
